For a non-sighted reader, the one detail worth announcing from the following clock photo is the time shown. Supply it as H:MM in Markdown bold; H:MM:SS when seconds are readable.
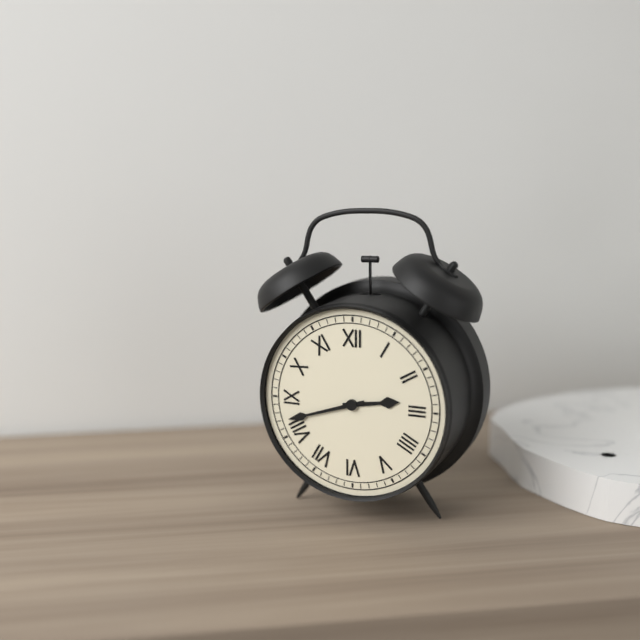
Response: **2:42**
